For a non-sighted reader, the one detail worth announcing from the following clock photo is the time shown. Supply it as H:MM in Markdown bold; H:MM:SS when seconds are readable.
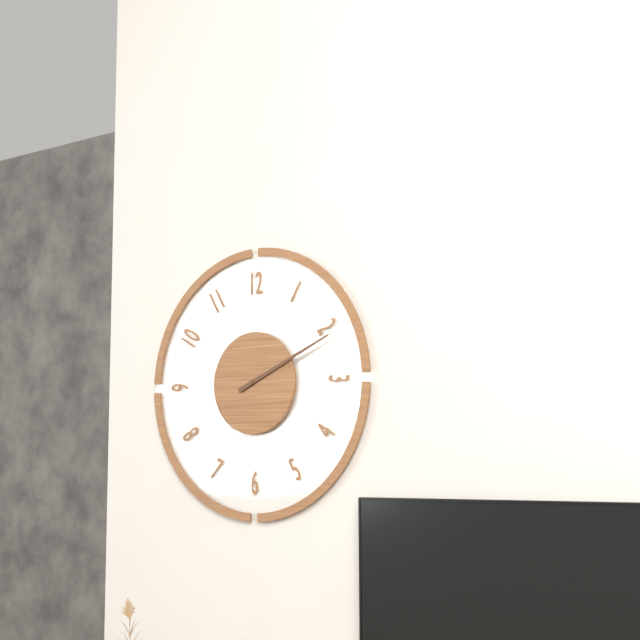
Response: **2:11**
